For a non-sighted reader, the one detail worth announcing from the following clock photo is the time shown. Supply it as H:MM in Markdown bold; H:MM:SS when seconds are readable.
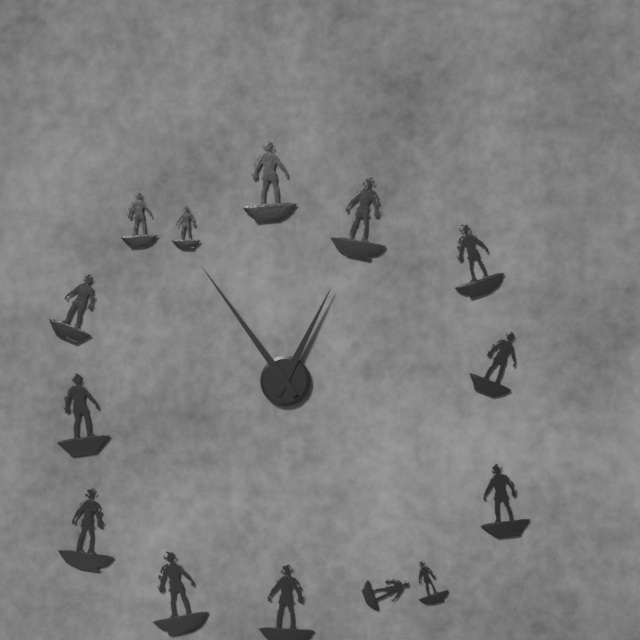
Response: **12:54**
